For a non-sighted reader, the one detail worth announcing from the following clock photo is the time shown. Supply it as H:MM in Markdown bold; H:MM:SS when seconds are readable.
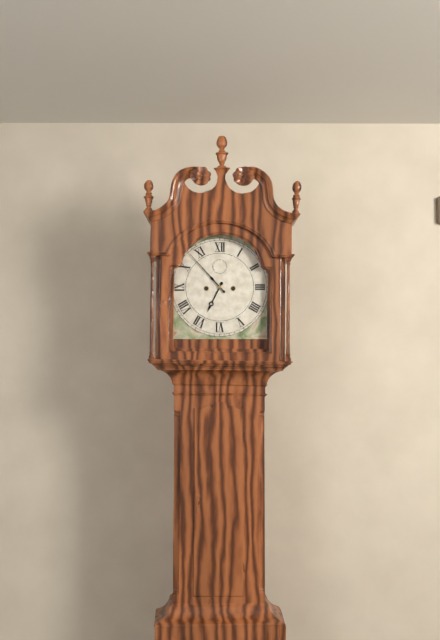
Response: **6:53**
